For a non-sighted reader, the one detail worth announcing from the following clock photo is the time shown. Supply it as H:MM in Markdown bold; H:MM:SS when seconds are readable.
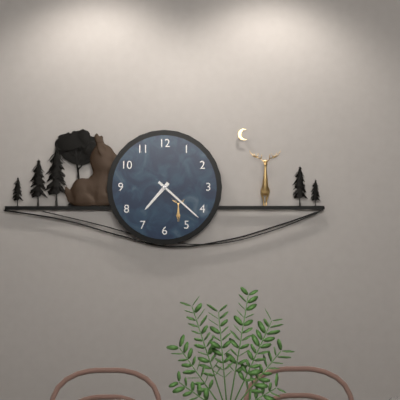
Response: **7:22**
